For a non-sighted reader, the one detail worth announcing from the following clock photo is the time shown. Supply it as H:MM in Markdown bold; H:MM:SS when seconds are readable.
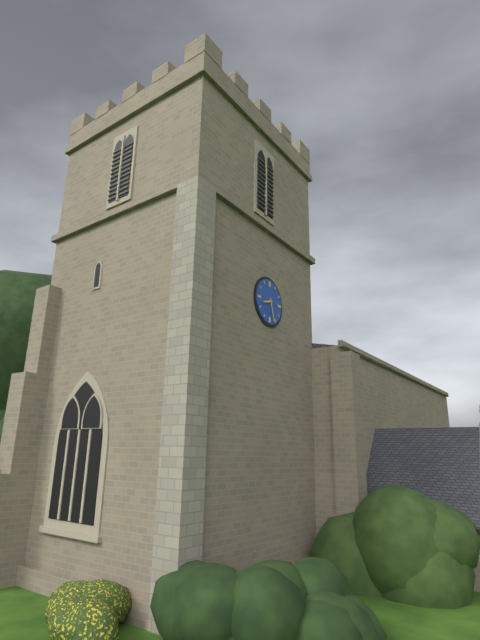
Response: **8:27**
